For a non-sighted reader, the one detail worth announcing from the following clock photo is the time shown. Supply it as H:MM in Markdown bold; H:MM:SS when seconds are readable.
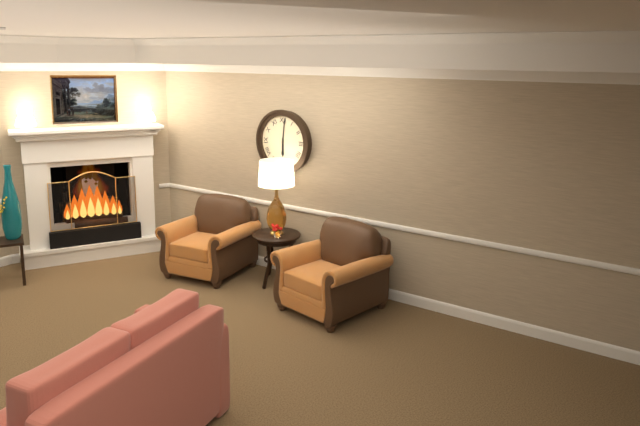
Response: **6:01**
